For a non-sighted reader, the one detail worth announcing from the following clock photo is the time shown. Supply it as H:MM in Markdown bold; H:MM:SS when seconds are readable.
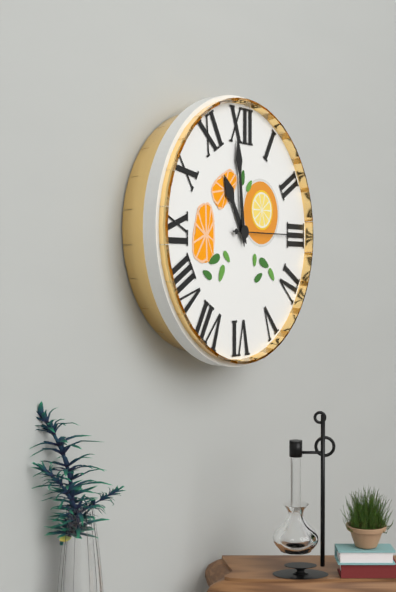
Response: **10:59:15**
